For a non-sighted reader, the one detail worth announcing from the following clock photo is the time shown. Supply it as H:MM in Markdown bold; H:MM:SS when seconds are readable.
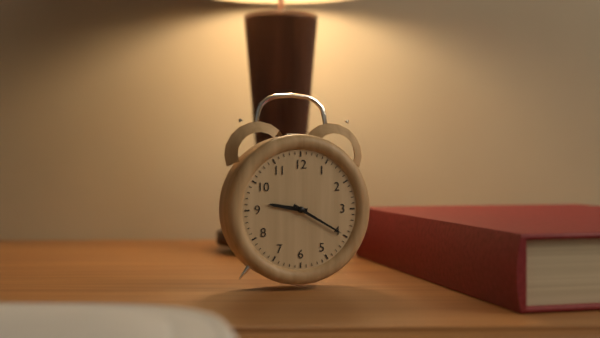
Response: **9:20**
